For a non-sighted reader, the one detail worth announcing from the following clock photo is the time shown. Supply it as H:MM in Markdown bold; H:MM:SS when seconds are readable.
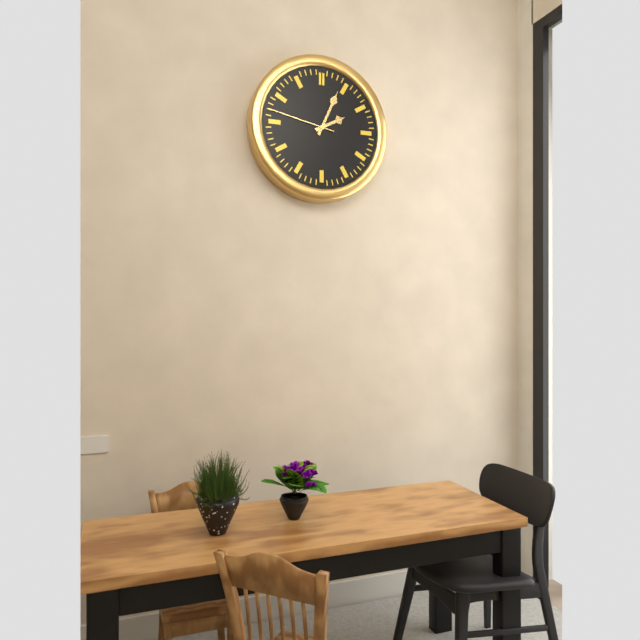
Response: **2:04:47**
